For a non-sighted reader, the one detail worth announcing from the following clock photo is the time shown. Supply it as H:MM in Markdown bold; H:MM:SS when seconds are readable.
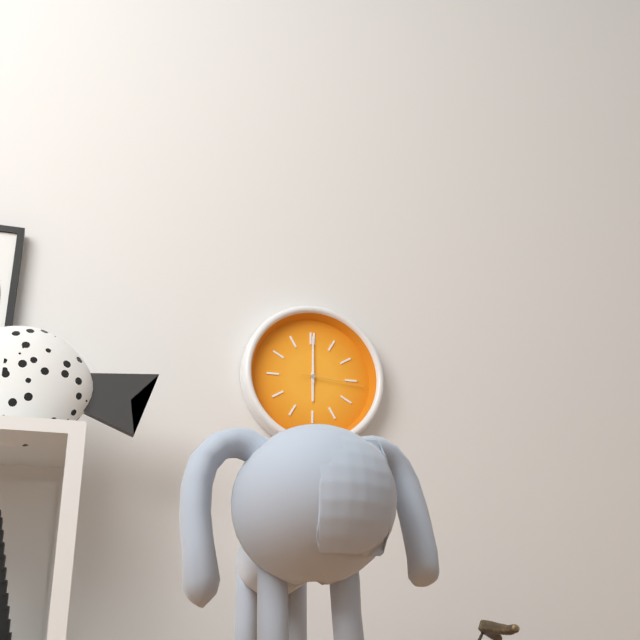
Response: **6:00:16**
